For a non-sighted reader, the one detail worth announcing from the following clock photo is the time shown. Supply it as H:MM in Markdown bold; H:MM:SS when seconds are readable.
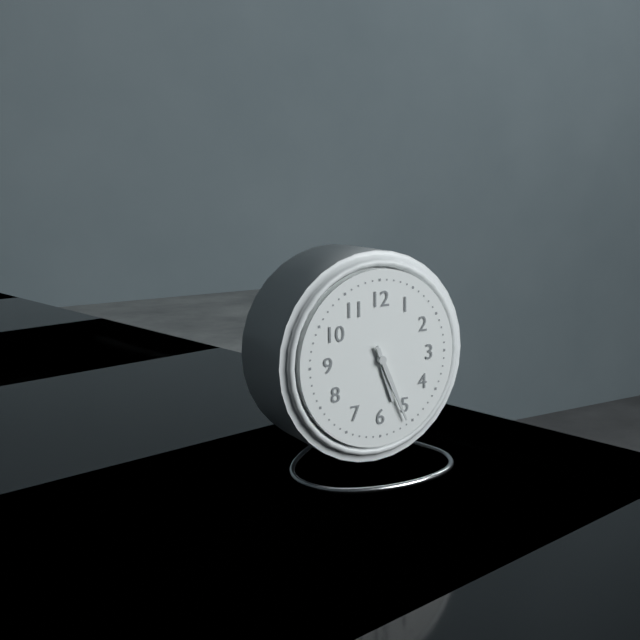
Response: **5:26**
